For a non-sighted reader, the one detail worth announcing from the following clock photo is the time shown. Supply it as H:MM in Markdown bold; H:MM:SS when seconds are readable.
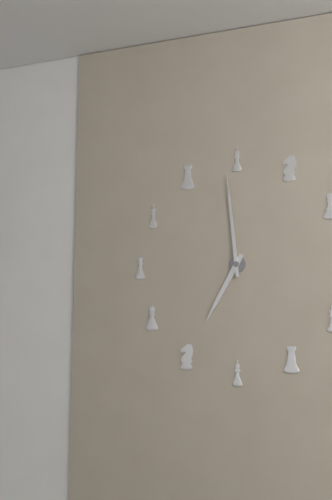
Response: **6:59**
